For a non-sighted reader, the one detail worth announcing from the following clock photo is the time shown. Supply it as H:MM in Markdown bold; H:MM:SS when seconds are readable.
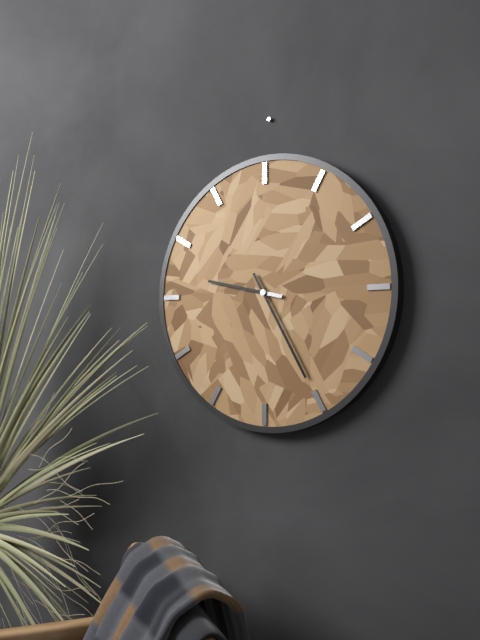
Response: **9:25**
